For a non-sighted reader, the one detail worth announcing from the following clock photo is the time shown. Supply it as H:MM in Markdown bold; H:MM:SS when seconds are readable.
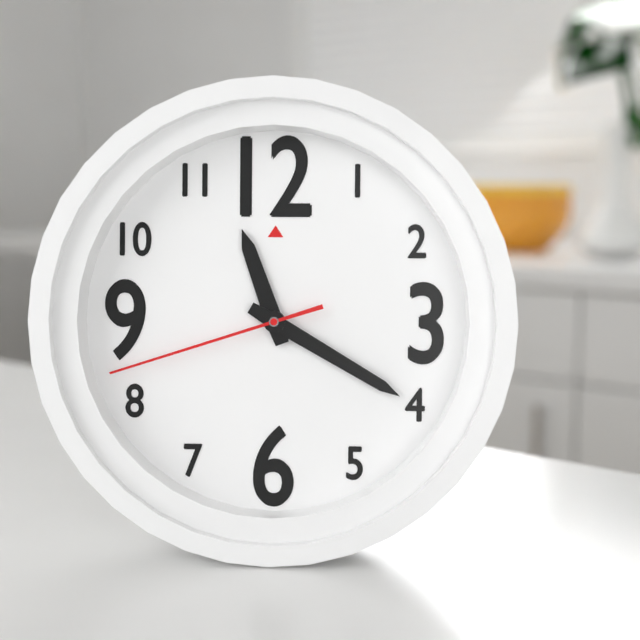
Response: **11:20:42**
